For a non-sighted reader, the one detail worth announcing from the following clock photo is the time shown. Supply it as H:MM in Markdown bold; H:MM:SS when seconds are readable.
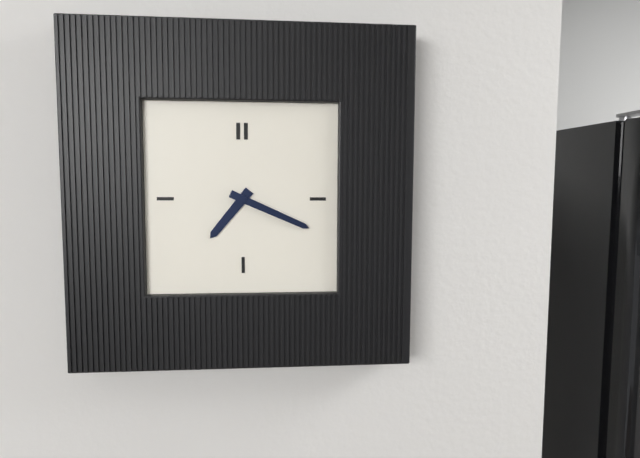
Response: **7:19**
